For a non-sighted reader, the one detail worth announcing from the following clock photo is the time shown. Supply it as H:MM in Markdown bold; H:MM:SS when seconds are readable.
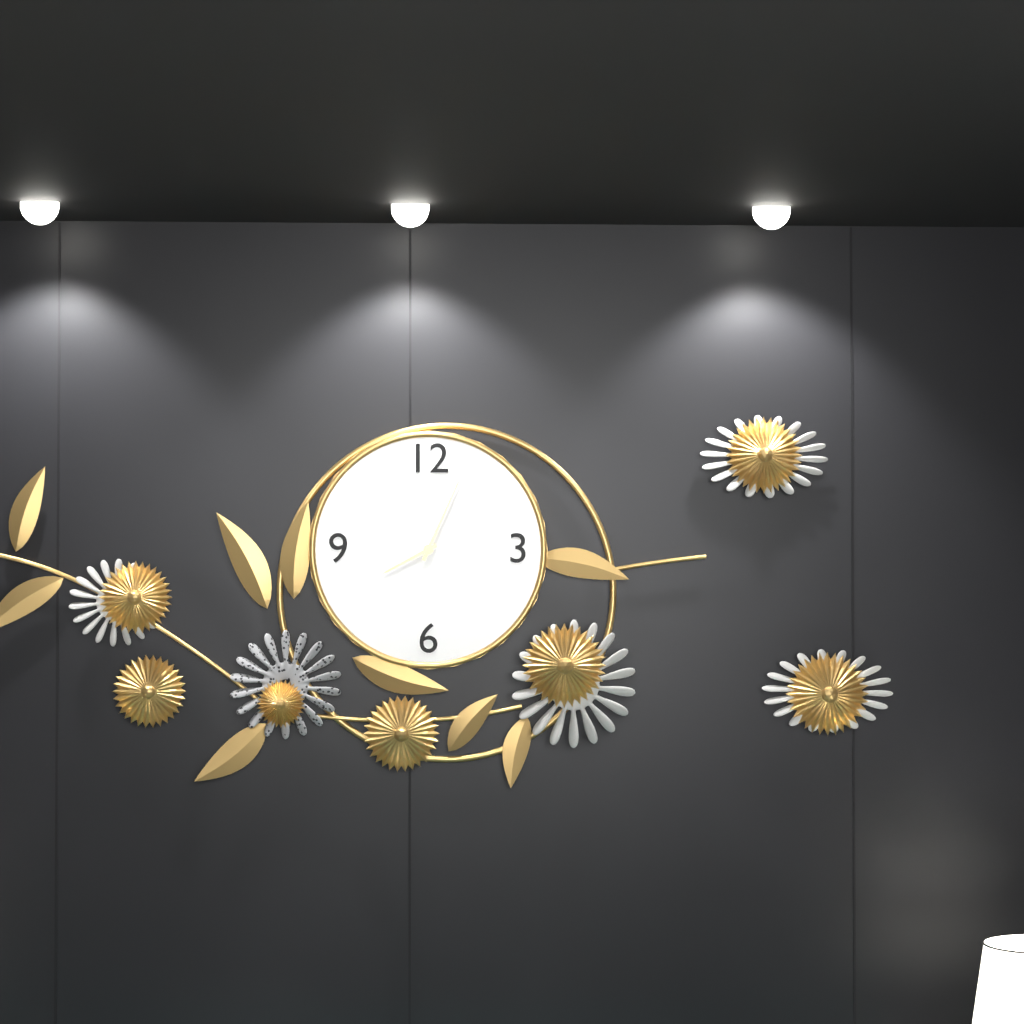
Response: **8:04**
